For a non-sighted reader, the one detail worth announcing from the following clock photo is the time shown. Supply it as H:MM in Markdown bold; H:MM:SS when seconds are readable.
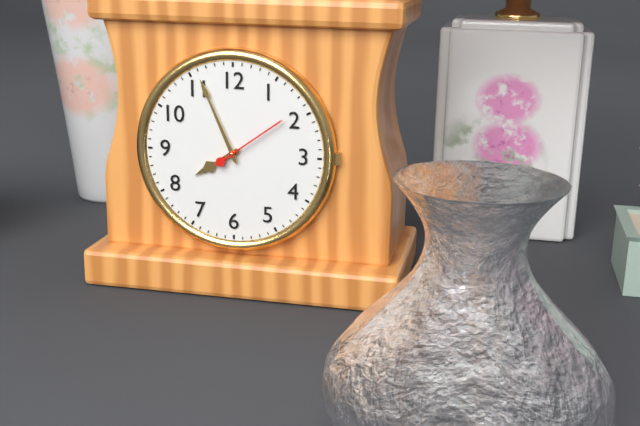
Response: **7:56:09**
